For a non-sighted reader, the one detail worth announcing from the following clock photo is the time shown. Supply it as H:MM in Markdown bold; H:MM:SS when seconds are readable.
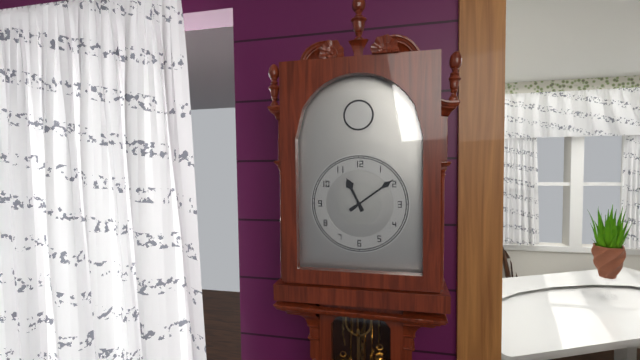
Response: **11:09**
